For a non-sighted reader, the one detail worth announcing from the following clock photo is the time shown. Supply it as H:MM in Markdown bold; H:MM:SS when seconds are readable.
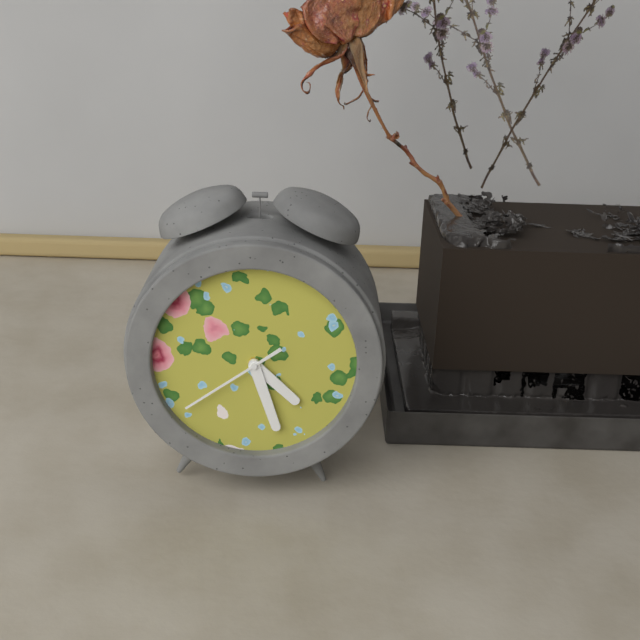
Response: **4:27:39**
